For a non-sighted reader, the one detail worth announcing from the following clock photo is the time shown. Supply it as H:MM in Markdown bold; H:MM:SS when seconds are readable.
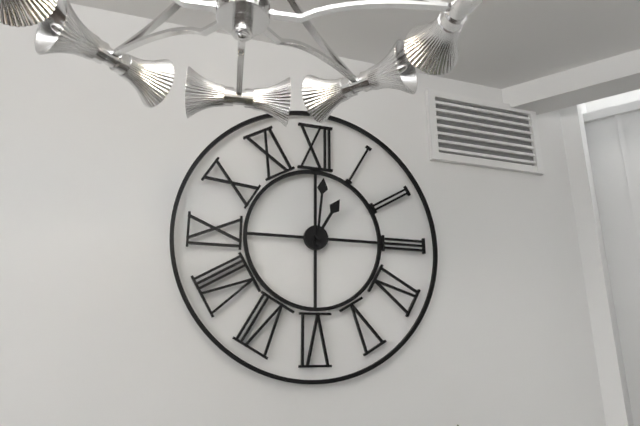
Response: **1:01**
